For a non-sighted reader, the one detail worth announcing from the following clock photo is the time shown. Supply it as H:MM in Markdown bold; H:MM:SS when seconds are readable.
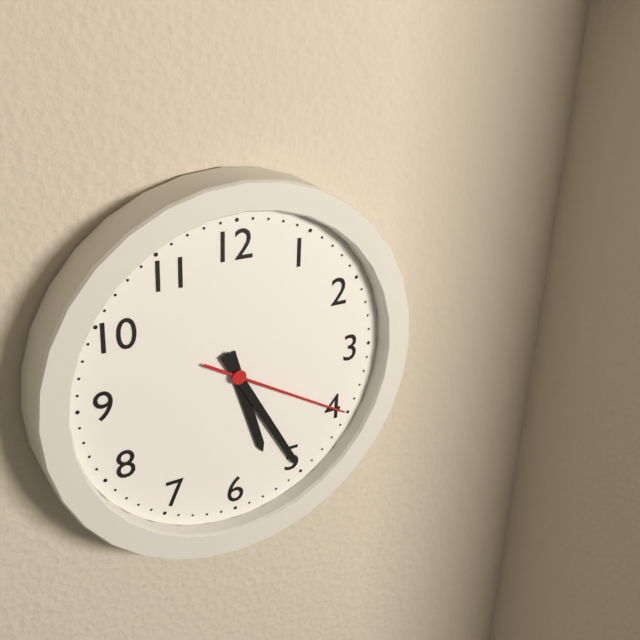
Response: **5:25:20**
